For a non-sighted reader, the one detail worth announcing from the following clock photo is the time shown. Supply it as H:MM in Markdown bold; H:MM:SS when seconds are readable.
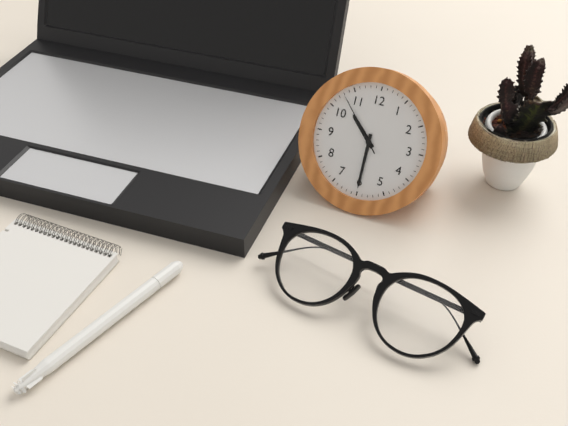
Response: **10:30:53**
